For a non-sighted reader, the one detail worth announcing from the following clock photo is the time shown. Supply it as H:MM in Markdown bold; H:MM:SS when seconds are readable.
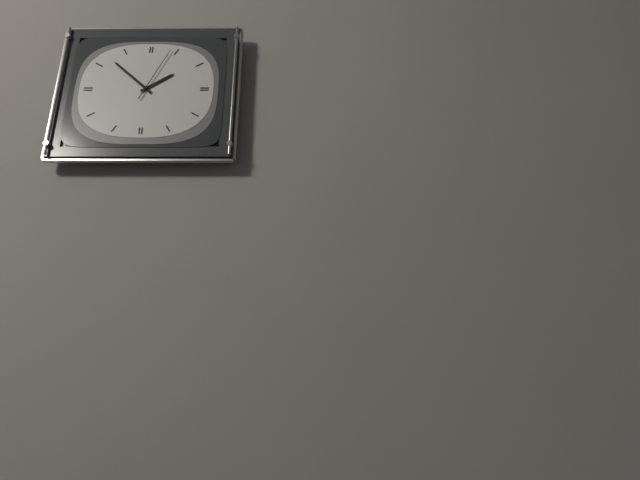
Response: **1:52:04**
